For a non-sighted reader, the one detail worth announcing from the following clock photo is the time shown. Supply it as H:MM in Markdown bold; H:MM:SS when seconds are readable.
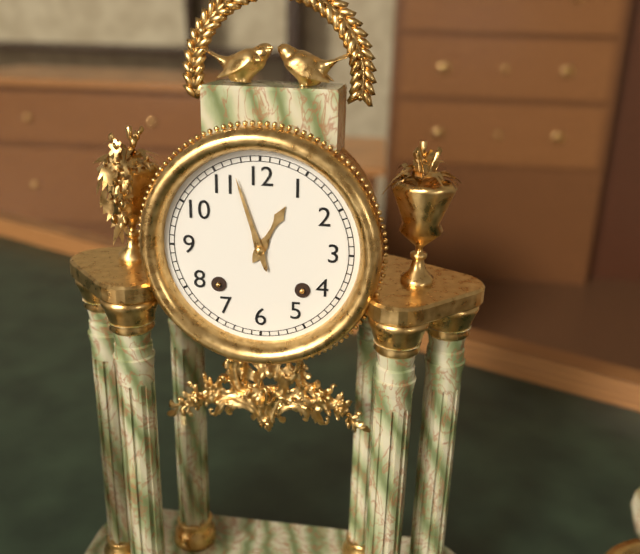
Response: **12:57**
